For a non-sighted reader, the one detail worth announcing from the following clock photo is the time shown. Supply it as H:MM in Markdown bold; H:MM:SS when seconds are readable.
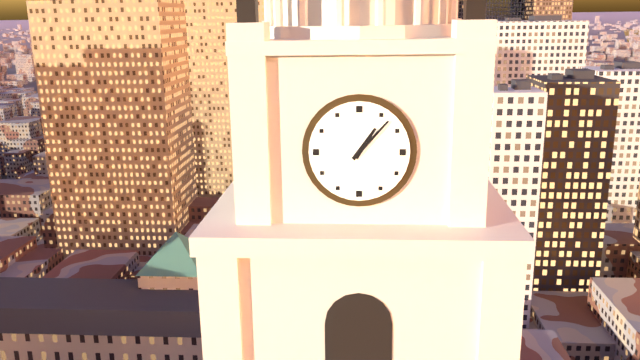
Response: **1:07**
